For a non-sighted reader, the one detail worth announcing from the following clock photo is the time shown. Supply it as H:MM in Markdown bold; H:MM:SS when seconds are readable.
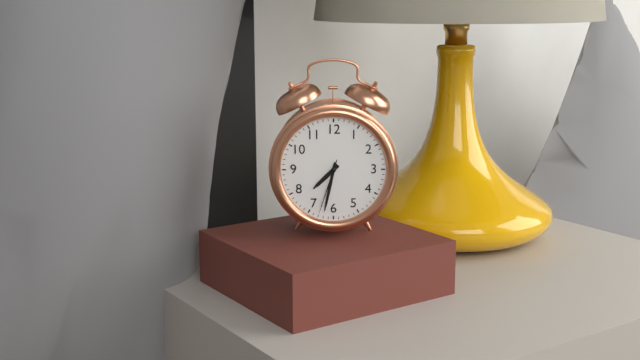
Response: **7:32:33**
